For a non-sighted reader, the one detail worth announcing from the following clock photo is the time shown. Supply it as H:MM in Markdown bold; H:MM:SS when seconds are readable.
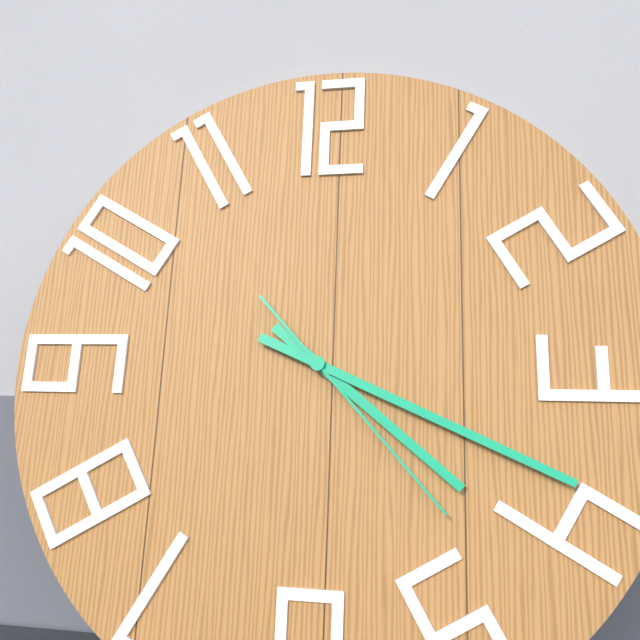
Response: **4:19:23**
